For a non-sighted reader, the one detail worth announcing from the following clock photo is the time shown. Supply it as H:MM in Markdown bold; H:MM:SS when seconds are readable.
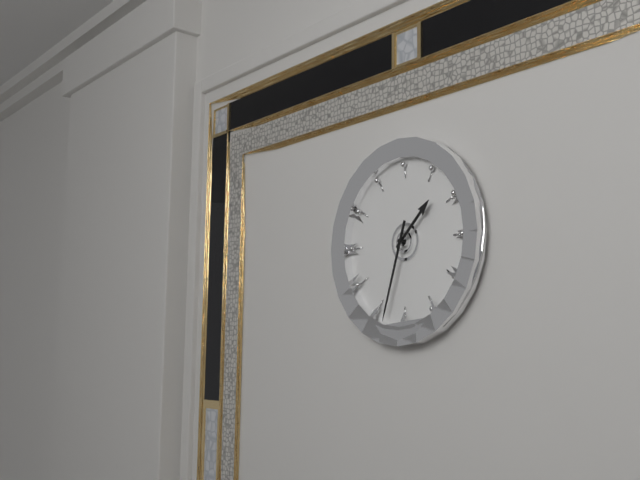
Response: **1:33**
